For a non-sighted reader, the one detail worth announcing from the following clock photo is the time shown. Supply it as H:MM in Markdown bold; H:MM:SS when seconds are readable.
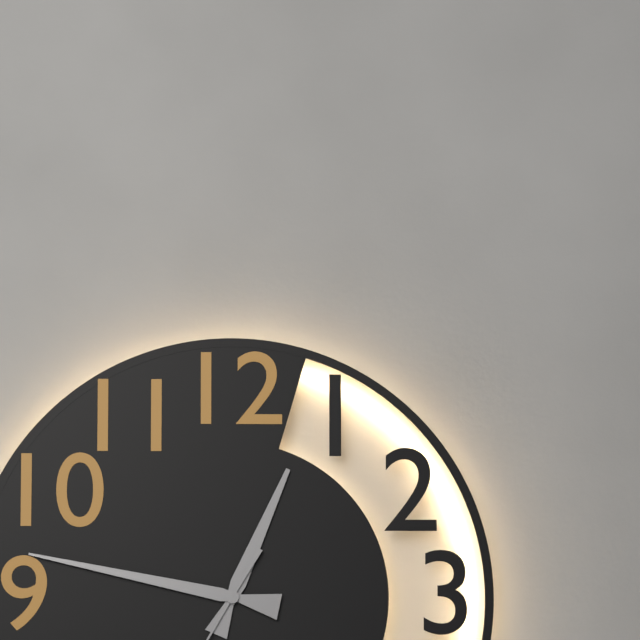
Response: **12:47**
